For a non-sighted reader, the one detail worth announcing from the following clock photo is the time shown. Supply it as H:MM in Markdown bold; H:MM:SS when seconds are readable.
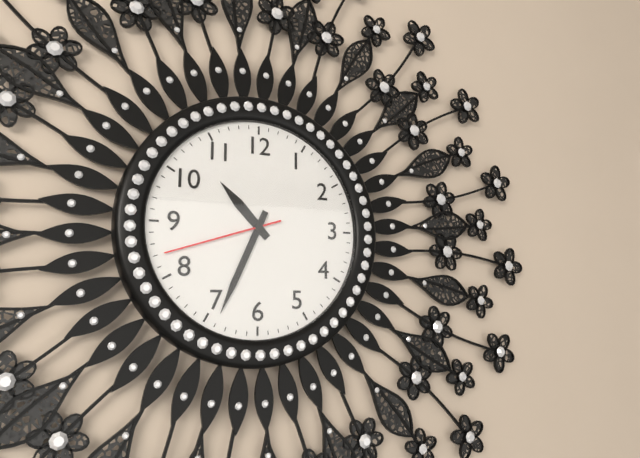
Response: **10:34:42**
